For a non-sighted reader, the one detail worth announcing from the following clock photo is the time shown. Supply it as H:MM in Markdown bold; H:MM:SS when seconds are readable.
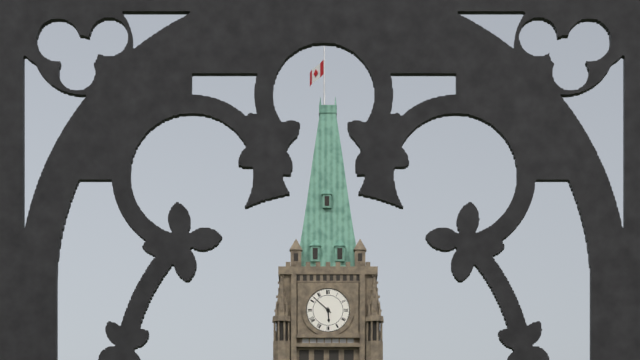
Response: **5:52**
